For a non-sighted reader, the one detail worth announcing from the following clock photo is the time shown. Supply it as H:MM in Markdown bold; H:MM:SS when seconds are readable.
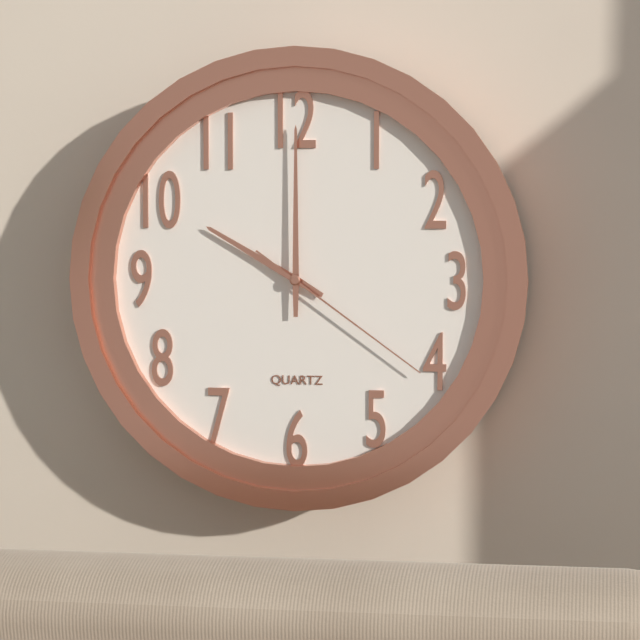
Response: **10:00:21**
